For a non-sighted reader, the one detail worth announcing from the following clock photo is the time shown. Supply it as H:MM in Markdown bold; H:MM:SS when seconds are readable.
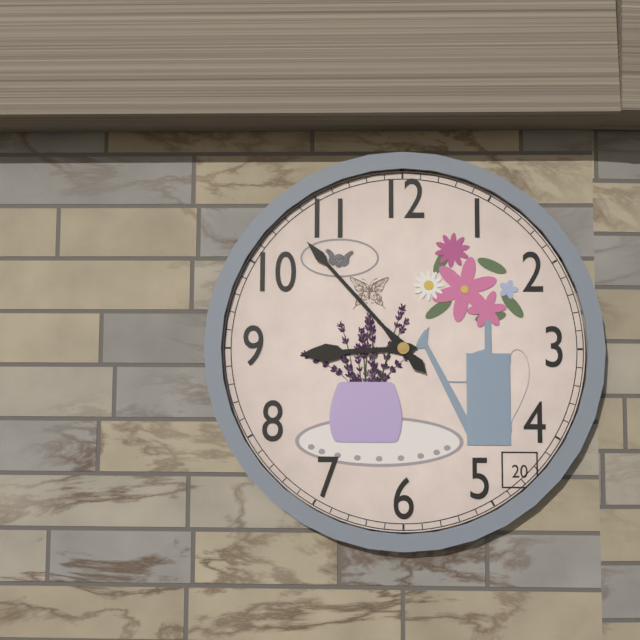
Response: **8:53**
